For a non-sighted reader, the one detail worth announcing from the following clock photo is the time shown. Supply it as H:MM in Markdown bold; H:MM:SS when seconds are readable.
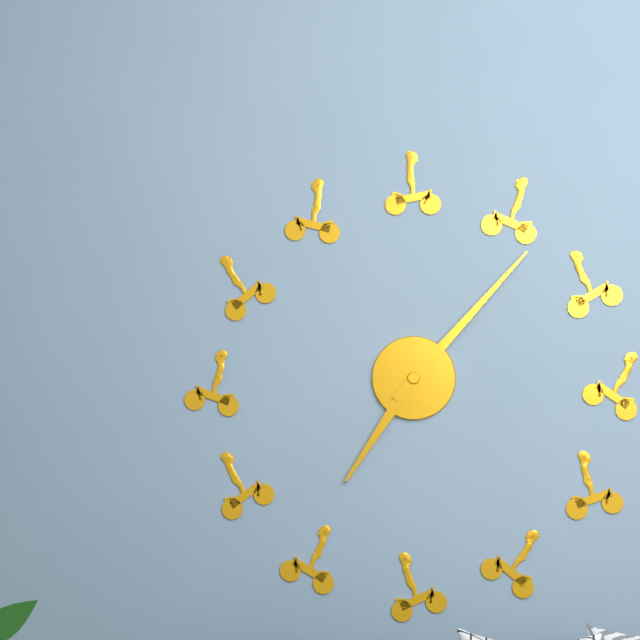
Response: **7:07**
